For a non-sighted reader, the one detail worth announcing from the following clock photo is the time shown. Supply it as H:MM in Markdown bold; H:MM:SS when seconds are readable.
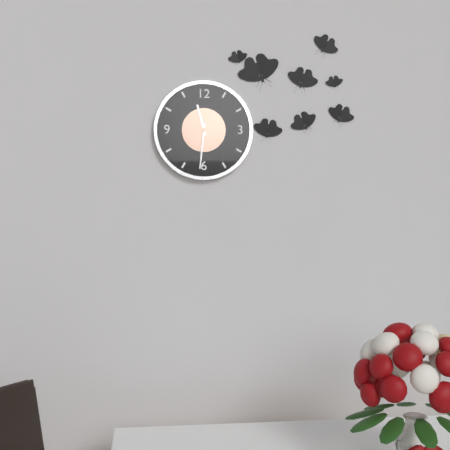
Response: **11:31**
